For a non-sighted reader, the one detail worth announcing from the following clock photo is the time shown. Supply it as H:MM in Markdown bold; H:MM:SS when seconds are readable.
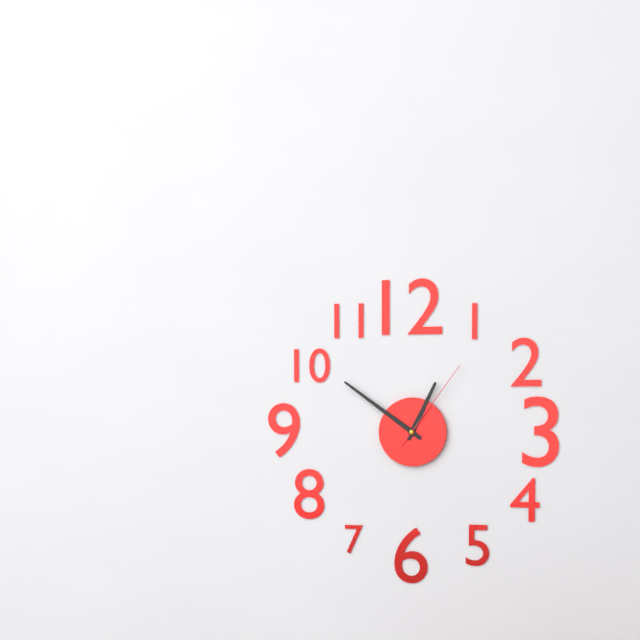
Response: **12:51:06**
